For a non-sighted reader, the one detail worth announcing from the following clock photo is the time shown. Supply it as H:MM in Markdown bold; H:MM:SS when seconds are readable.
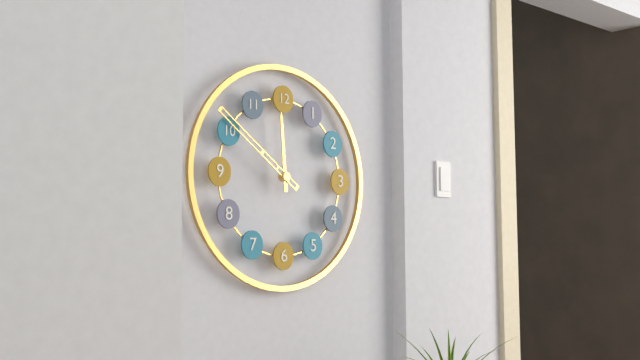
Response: **11:51**
